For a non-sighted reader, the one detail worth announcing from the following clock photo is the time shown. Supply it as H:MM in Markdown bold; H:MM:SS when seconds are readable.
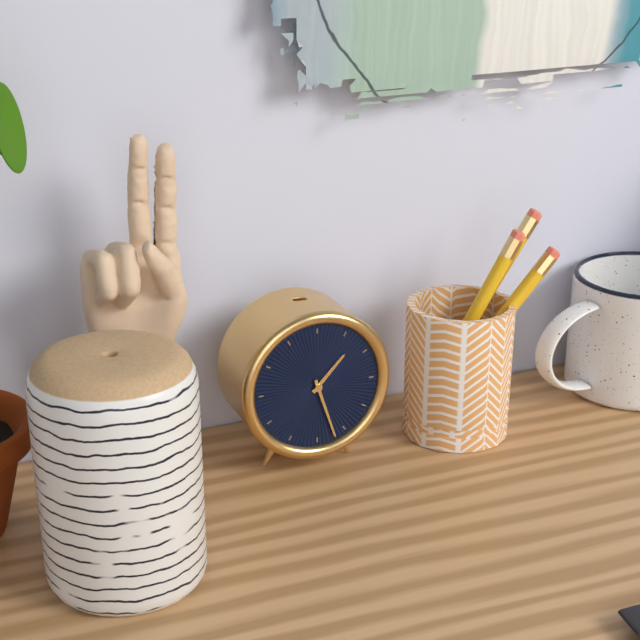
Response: **1:27**
